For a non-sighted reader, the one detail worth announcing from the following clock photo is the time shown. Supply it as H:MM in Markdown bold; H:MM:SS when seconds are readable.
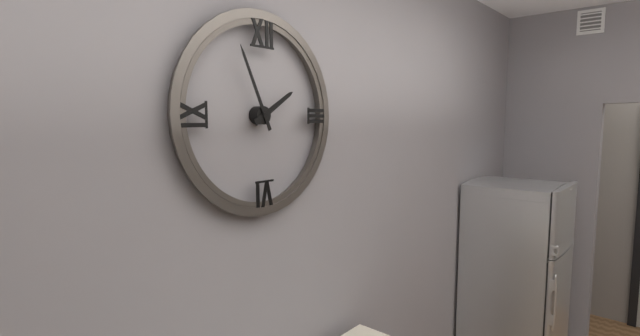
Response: **1:56**
